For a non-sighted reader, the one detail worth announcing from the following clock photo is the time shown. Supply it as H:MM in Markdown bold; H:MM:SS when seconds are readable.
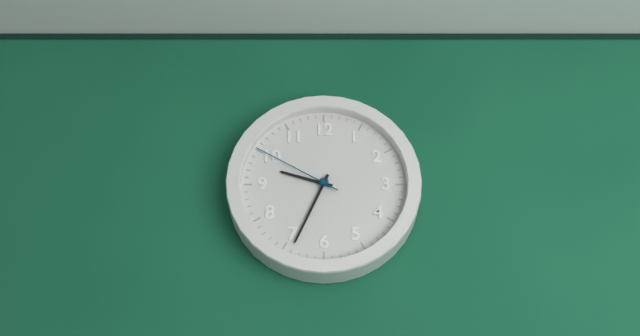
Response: **9:34:50**
